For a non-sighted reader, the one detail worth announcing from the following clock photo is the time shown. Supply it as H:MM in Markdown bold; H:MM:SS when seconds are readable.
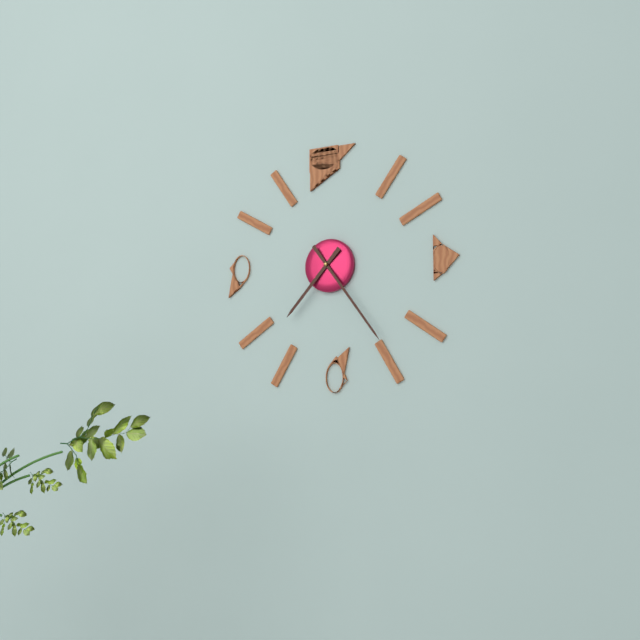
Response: **7:24**
